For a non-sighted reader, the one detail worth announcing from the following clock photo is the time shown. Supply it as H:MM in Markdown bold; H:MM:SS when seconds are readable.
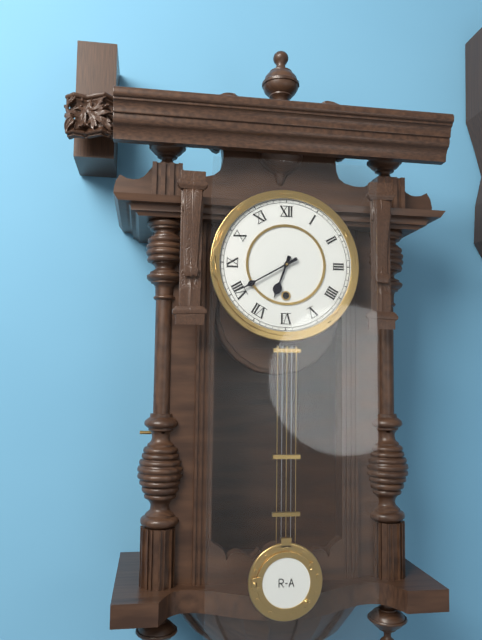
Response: **6:40**
